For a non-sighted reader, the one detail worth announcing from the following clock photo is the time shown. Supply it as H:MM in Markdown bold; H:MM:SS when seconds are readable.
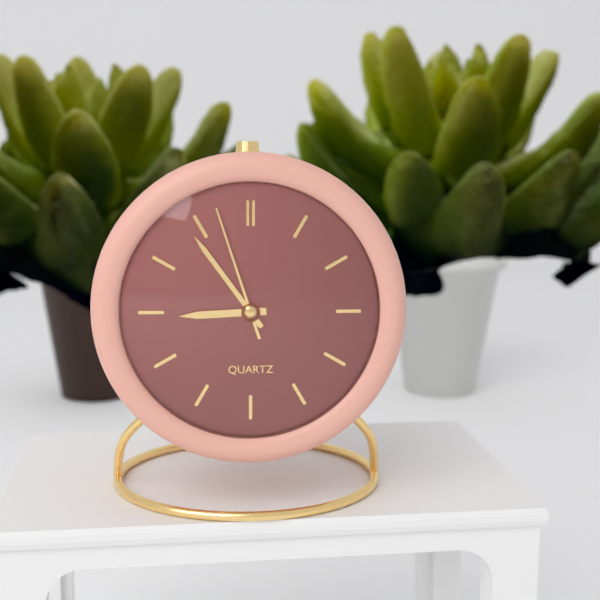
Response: **8:54:57**
